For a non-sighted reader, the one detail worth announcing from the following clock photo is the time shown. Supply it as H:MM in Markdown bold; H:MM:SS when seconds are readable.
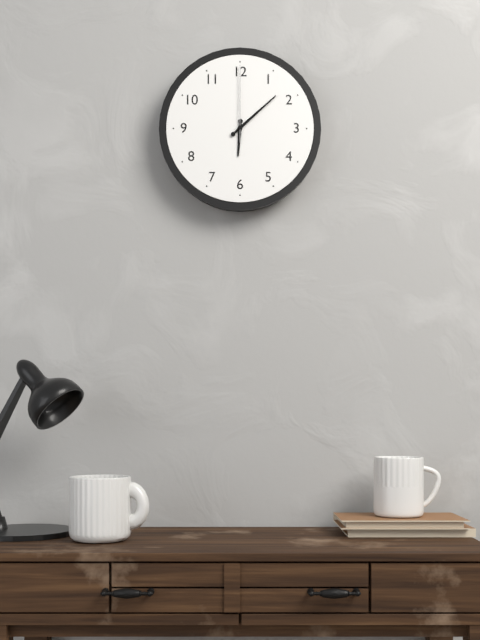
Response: **6:08:00**
